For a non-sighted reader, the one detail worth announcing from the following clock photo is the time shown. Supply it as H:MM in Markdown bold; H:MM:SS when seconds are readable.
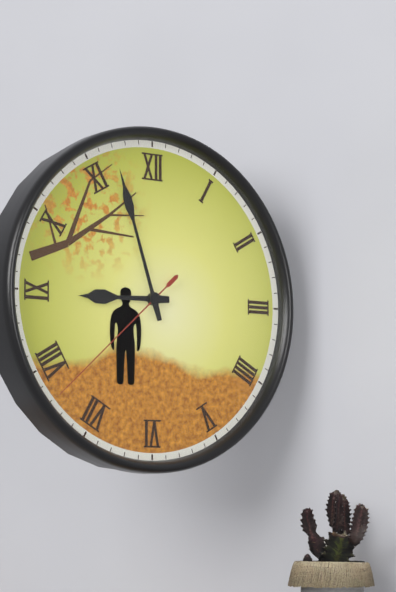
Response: **8:57:38**
